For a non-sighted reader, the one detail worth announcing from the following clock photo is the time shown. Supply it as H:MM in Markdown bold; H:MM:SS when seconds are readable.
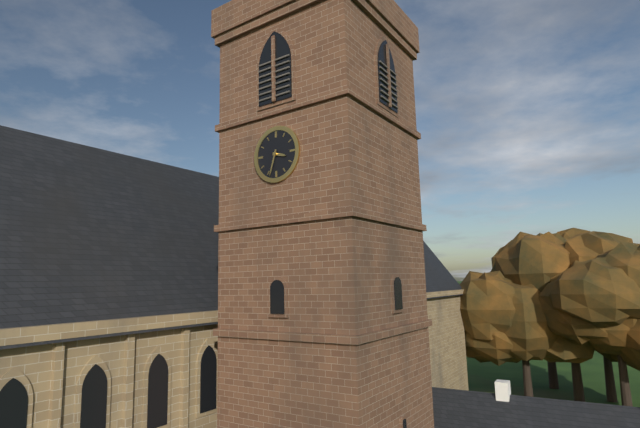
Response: **3:33**
